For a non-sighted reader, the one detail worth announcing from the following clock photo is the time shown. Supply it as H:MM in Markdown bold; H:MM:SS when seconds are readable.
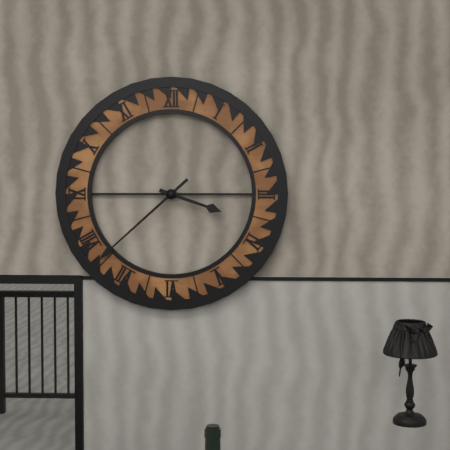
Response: **3:38**
